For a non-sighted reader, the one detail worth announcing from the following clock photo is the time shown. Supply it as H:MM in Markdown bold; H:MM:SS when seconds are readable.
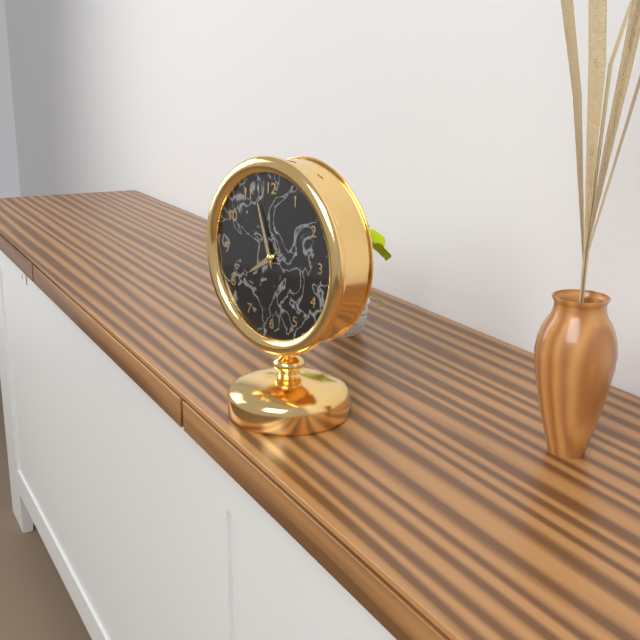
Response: **7:57**
